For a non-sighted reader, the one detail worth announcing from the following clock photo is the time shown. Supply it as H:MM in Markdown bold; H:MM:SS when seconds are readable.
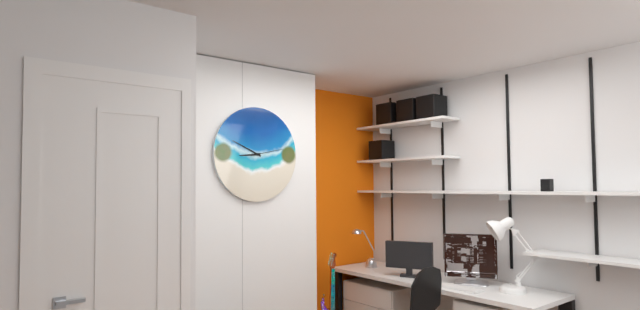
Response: **8:49**
